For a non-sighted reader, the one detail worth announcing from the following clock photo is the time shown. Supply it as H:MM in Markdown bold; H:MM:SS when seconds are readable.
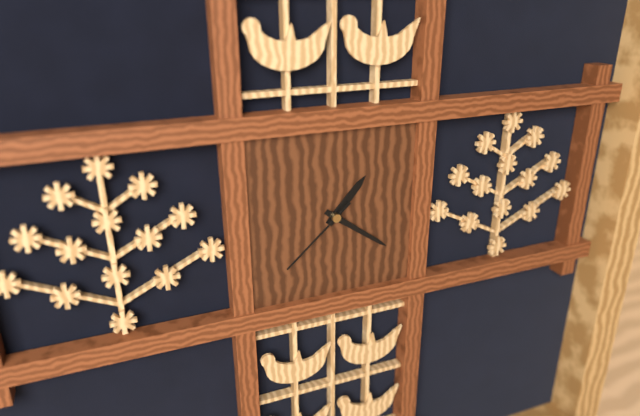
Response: **1:21:38**
